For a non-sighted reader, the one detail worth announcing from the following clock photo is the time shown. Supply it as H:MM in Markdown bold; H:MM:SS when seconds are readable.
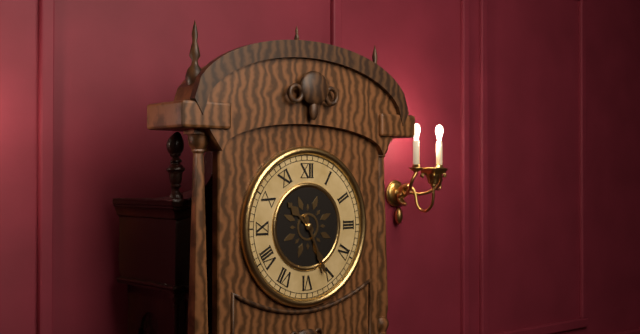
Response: **10:26**
